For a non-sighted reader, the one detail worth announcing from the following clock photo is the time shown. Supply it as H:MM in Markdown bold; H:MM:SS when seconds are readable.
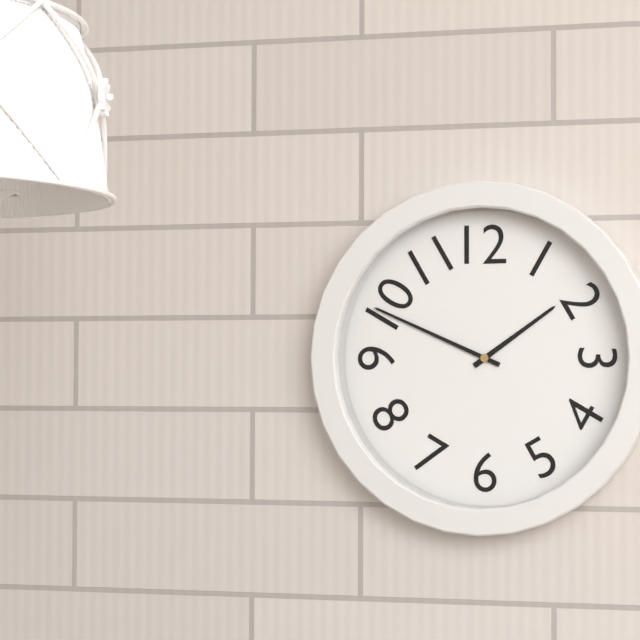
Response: **1:49**
